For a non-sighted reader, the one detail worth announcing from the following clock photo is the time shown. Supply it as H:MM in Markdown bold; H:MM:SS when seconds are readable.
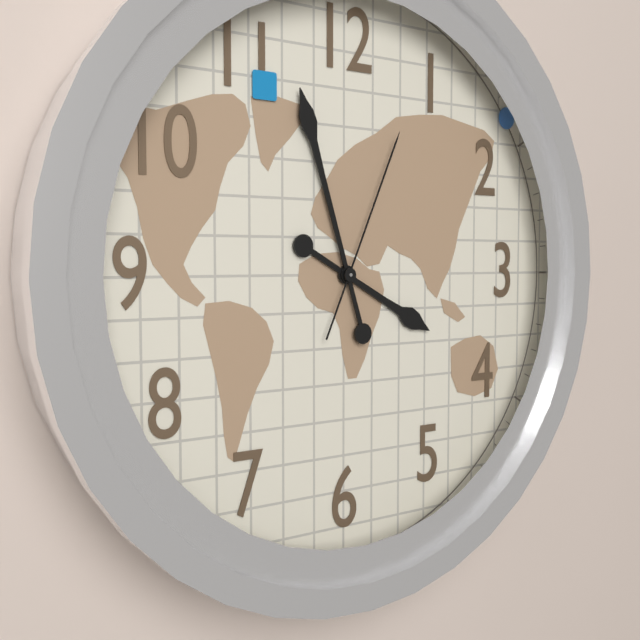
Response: **3:57:04**
